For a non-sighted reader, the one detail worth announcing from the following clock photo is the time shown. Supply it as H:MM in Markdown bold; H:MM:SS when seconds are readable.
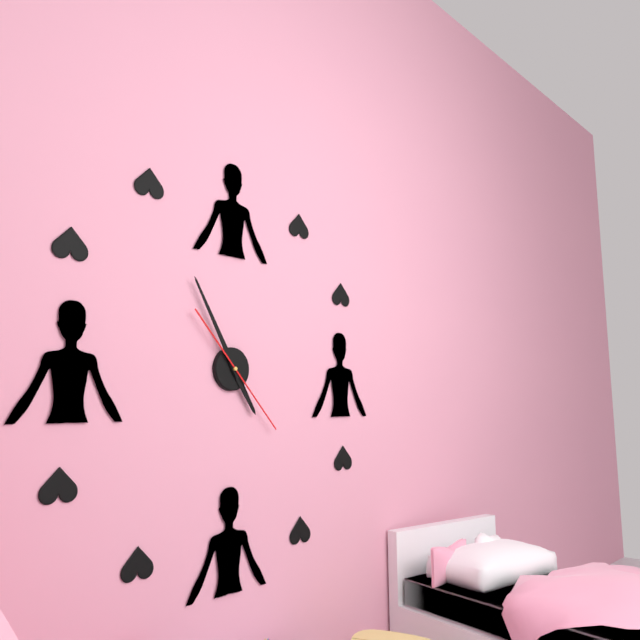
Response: **4:55:23**
